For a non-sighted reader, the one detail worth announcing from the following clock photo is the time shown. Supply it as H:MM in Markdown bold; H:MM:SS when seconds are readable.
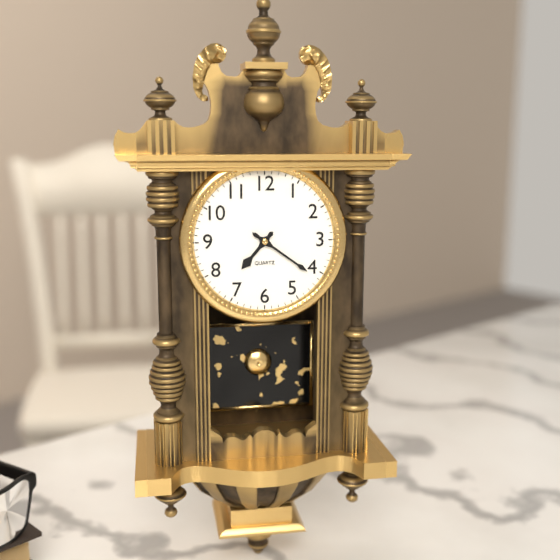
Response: **7:21**
